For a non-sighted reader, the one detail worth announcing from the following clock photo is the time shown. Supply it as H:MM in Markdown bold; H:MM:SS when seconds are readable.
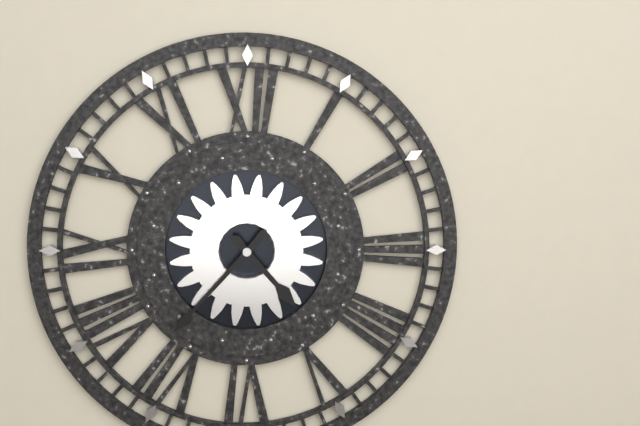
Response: **4:37**
